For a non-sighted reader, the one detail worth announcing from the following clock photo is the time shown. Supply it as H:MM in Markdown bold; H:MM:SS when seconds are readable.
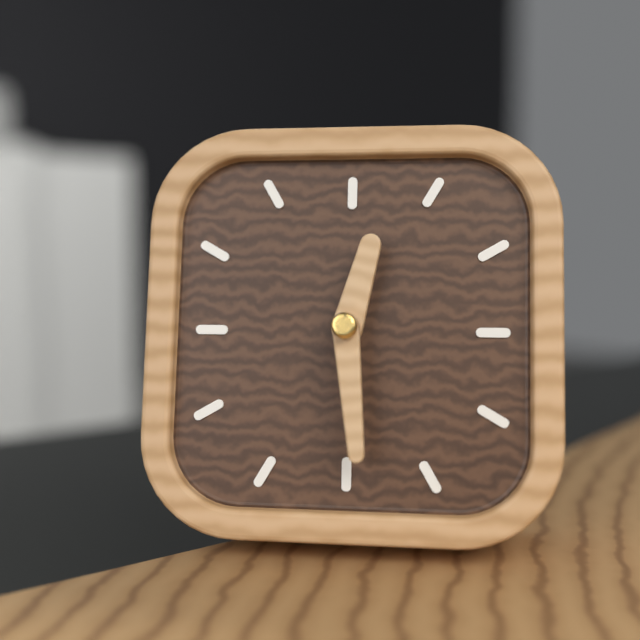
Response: **12:29**
